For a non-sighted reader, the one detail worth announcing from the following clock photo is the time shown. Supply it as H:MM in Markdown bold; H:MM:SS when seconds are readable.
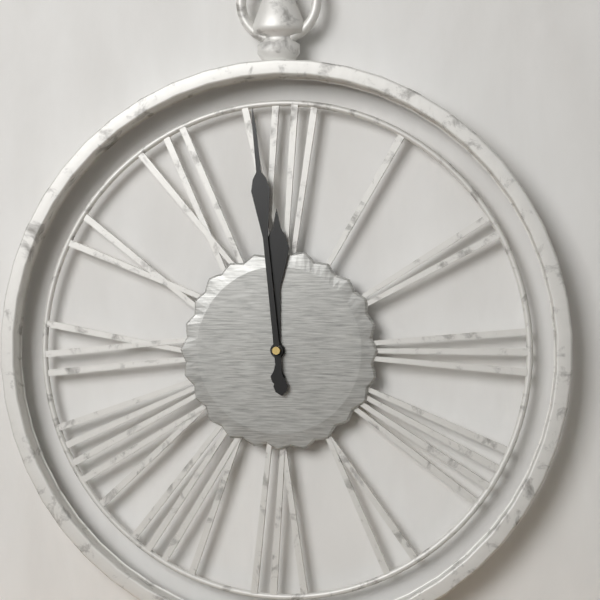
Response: **11:59**
